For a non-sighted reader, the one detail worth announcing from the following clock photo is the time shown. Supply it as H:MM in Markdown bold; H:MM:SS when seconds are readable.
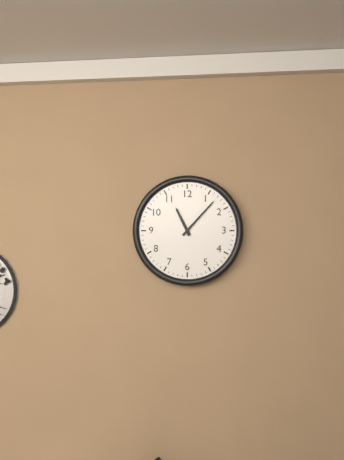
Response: **11:07**
